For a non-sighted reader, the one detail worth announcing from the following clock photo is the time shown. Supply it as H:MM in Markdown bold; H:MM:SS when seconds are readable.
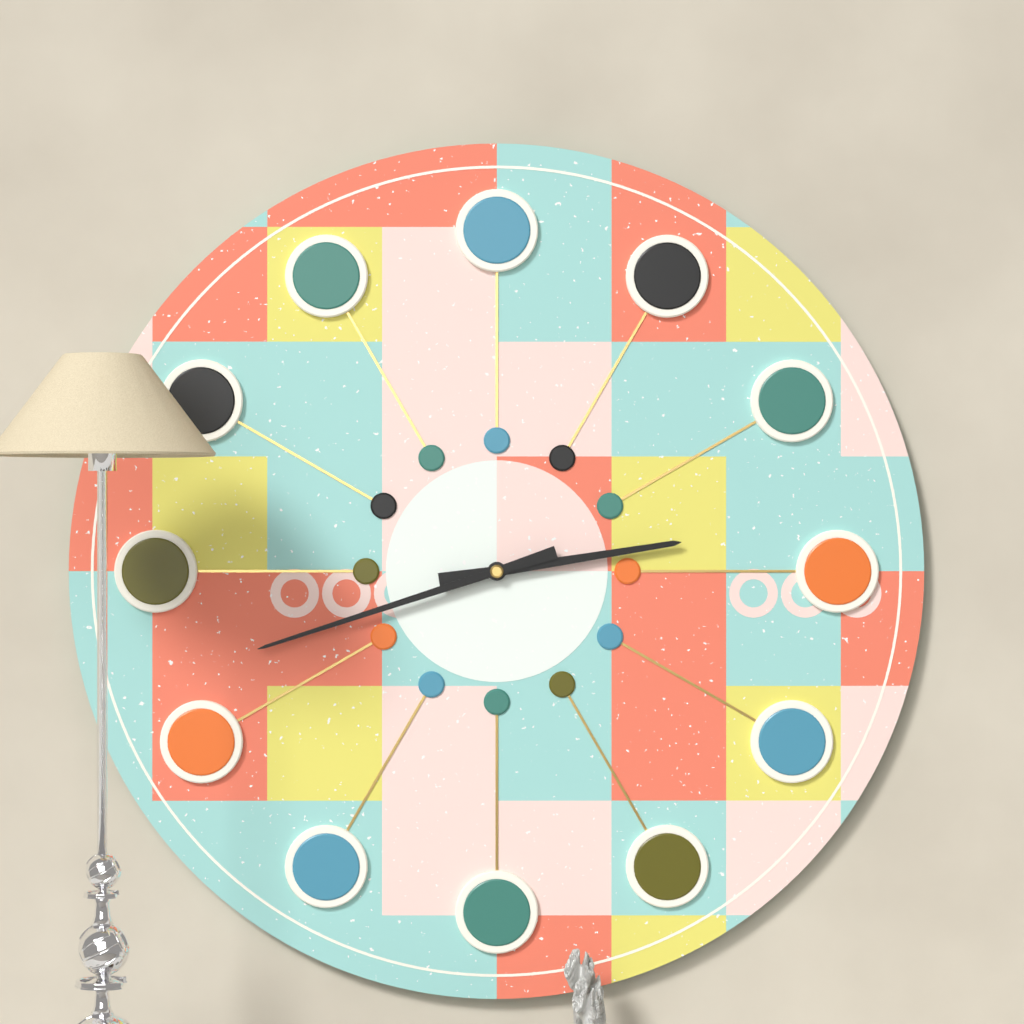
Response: **2:42**
